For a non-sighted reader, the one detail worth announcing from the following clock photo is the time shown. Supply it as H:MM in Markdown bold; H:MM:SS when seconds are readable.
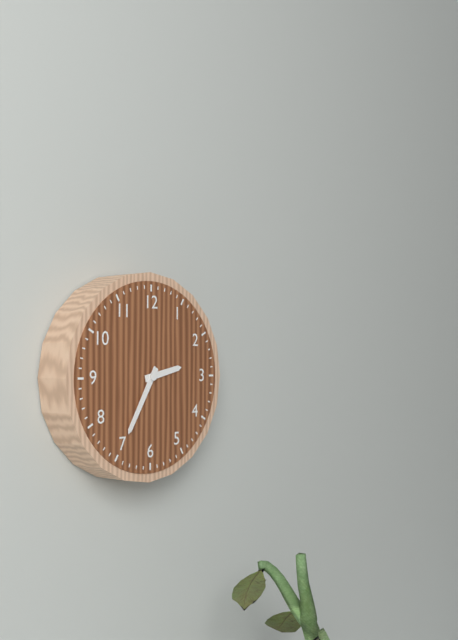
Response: **2:35**
